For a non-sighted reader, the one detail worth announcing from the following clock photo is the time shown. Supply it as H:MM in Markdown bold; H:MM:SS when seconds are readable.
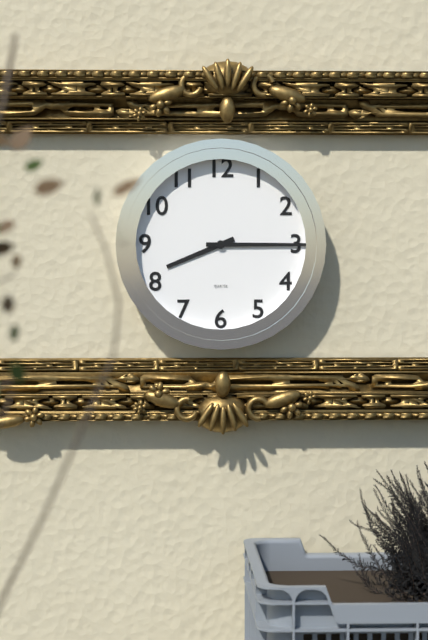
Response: **8:15**
